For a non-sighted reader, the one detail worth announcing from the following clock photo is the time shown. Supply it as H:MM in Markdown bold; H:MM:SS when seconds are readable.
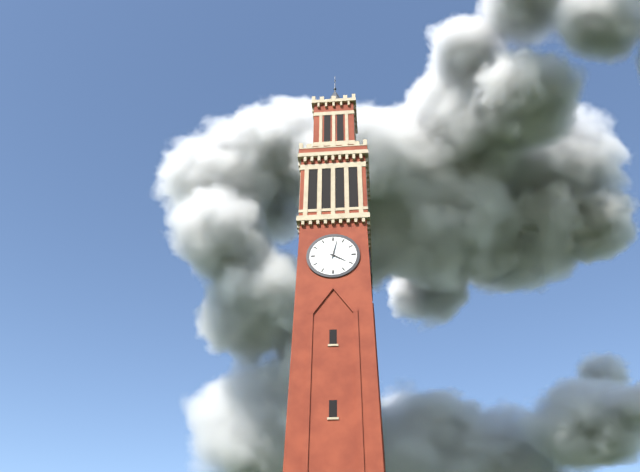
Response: **4:02**
